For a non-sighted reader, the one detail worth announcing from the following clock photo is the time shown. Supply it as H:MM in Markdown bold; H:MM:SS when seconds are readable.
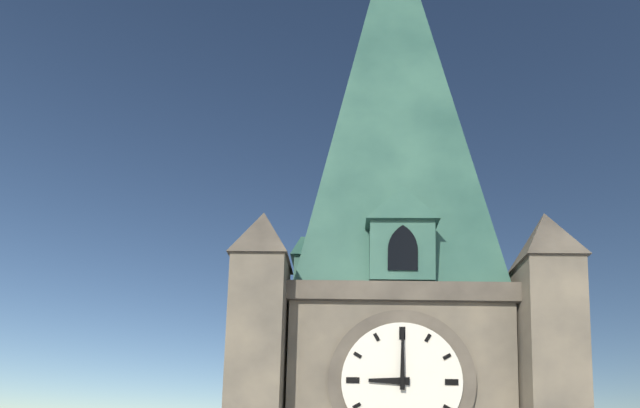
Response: **9:00**
